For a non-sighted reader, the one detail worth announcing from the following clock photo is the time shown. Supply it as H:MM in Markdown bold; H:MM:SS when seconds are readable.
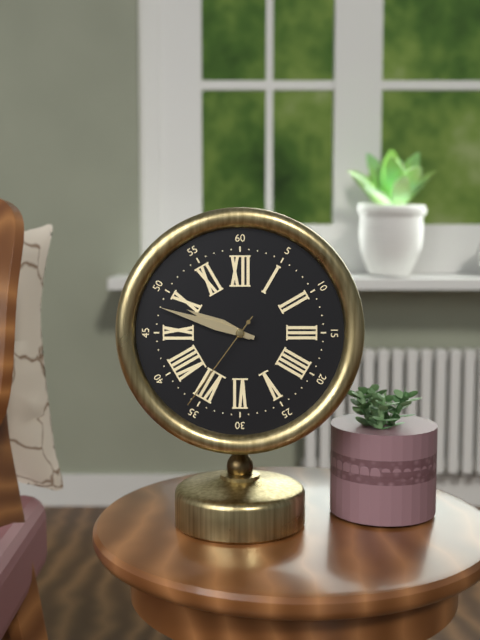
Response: **9:48:36**
